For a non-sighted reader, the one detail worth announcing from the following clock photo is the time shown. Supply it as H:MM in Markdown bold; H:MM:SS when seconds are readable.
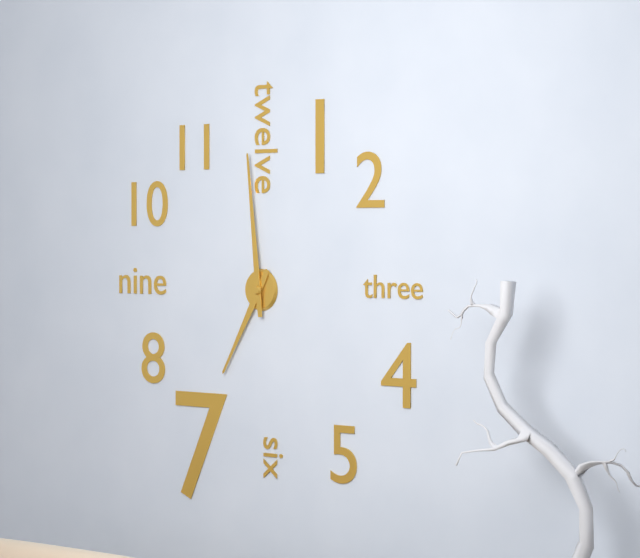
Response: **6:59**
